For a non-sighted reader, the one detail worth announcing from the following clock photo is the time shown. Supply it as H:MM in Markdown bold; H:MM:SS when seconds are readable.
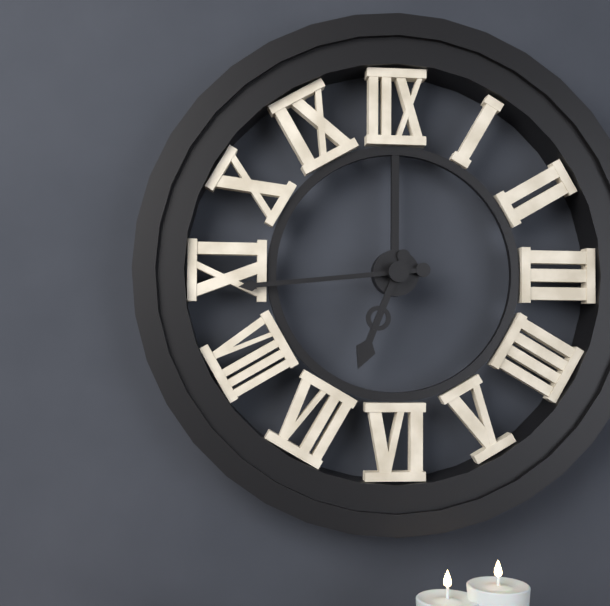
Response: **6:44**
